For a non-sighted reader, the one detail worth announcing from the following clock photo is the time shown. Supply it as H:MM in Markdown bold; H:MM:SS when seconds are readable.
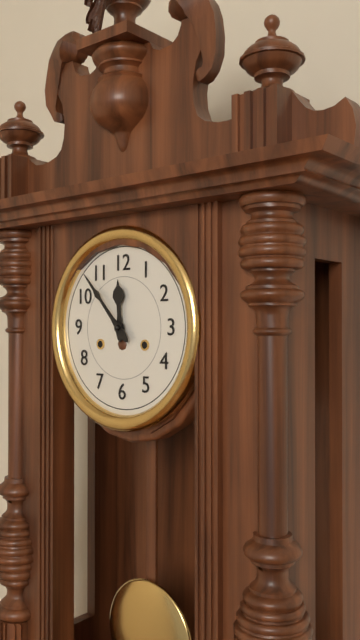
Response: **11:53**
